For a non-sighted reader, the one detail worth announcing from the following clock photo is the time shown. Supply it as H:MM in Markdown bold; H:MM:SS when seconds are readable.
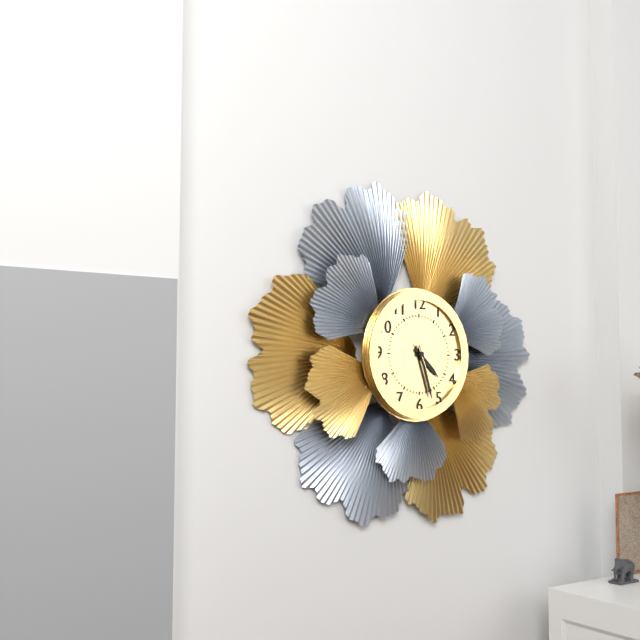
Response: **4:27:26**
